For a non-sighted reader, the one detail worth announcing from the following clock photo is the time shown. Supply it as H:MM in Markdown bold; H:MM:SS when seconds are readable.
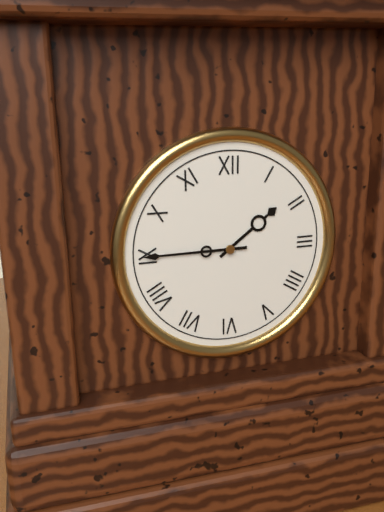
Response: **1:45**
